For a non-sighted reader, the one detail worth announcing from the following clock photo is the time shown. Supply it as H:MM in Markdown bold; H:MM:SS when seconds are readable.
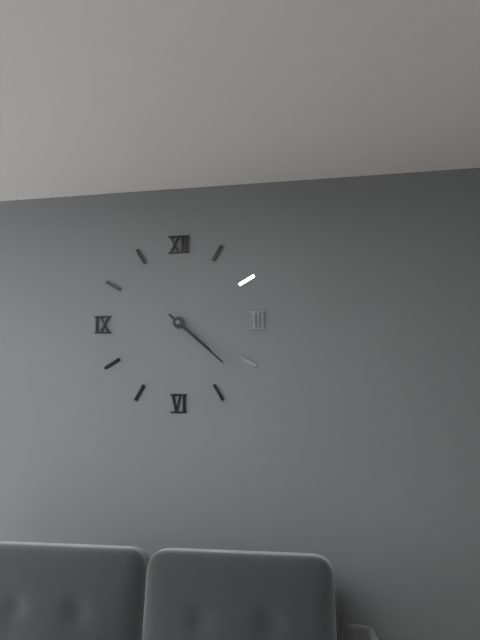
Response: **4:22**
